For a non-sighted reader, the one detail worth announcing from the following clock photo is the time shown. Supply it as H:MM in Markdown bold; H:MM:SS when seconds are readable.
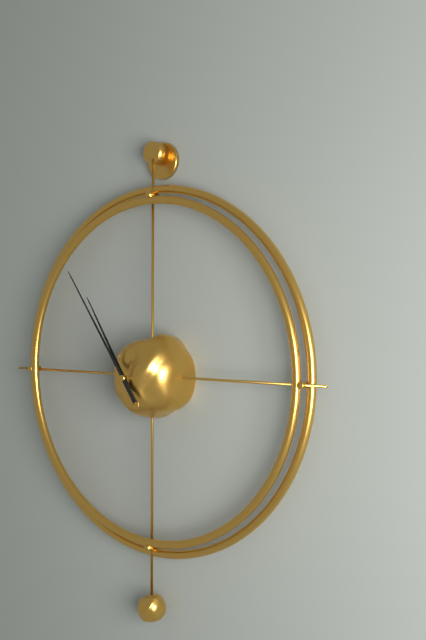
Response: **10:54**
